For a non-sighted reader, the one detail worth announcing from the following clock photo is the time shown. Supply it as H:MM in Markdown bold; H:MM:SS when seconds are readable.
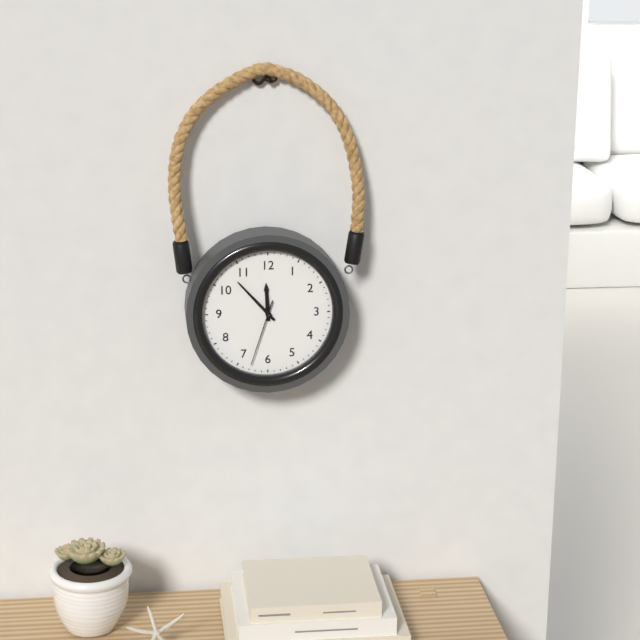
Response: **11:53:33**
